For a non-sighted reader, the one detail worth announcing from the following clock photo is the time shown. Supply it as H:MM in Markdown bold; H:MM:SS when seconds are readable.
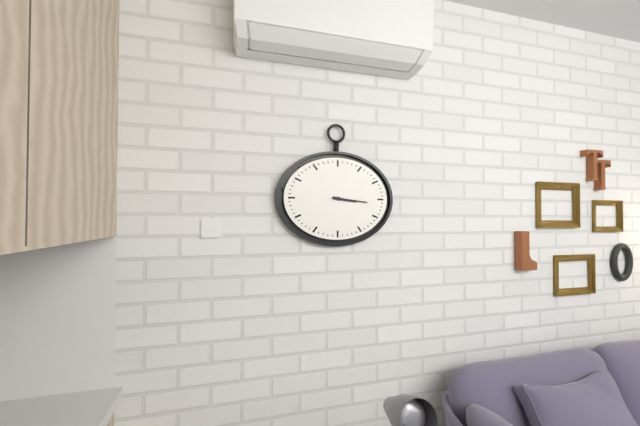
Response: **3:16**
